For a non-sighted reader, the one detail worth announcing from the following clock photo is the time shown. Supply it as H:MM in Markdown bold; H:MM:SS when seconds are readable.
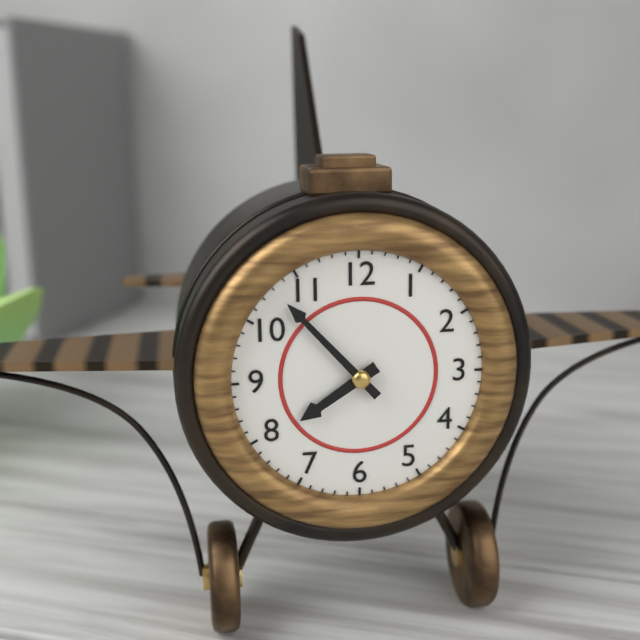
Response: **7:53**
